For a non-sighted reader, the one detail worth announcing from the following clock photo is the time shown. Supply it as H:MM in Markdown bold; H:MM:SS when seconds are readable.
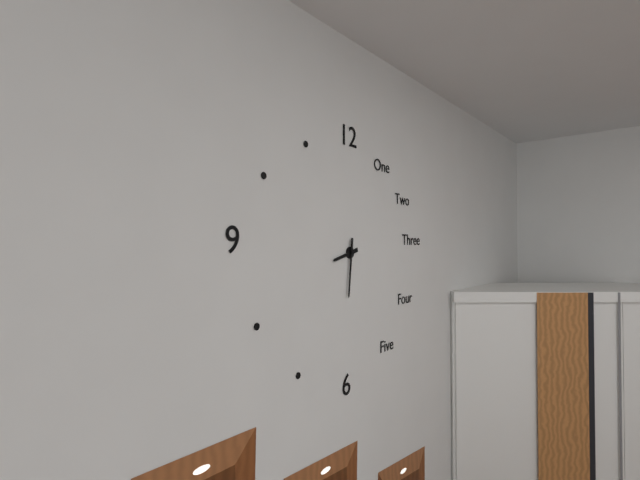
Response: **8:31**
